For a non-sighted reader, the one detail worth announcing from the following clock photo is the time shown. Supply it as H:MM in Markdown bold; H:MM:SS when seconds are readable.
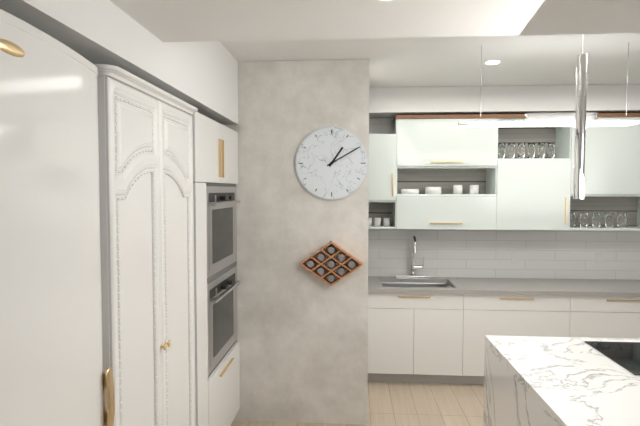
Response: **1:10**
